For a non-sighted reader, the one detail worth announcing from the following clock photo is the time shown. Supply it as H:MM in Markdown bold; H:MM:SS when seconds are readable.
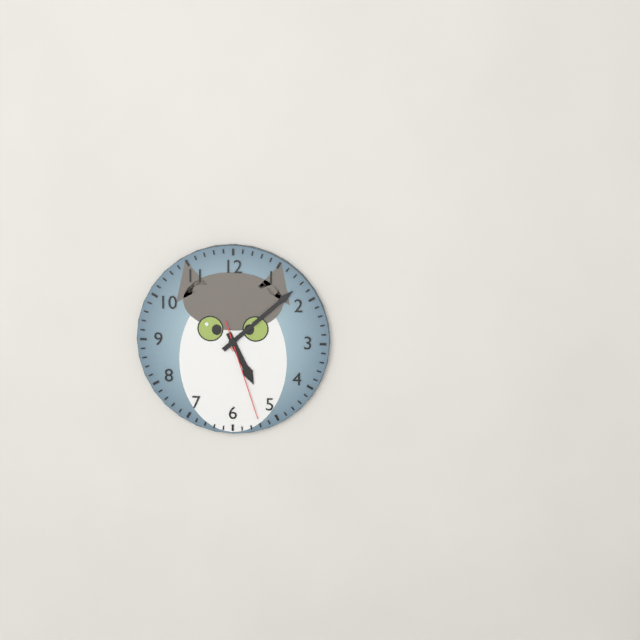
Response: **5:08:27**
